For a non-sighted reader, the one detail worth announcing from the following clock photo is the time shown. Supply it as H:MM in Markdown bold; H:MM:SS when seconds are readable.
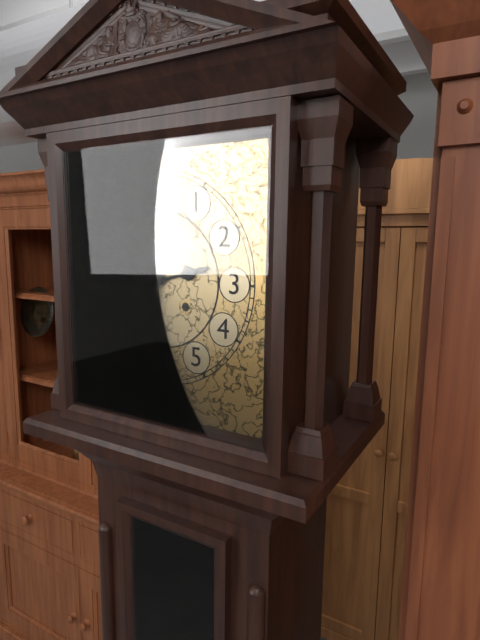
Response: **2:32**
